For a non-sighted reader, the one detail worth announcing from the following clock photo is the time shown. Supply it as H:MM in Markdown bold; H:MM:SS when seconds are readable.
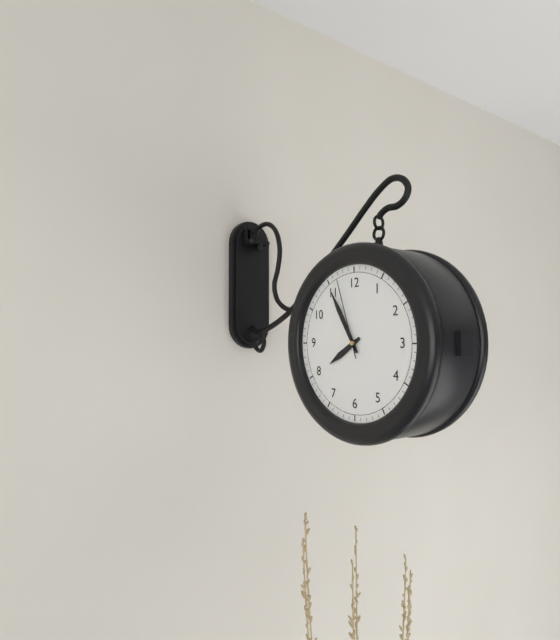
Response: **7:55:57**
